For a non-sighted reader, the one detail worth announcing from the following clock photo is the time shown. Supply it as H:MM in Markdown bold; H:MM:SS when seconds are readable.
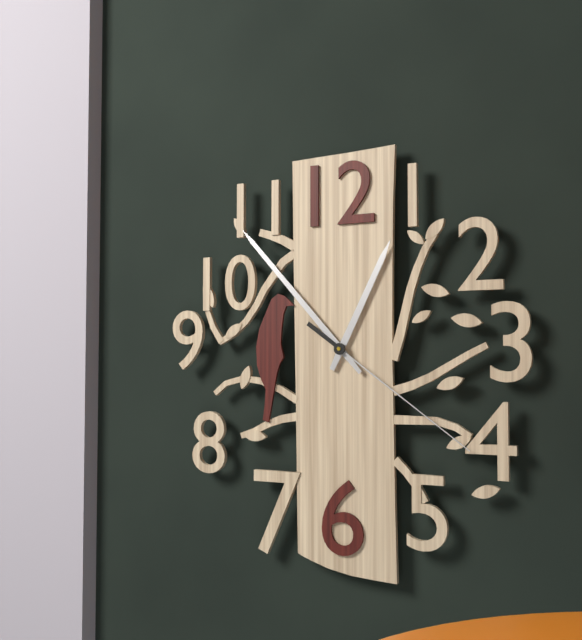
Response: **12:53:21**
